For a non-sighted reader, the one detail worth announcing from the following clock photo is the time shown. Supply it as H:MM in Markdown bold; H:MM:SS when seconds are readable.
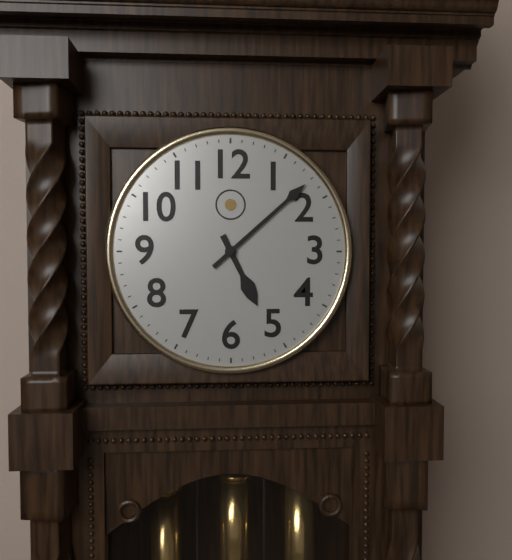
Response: **5:08**
